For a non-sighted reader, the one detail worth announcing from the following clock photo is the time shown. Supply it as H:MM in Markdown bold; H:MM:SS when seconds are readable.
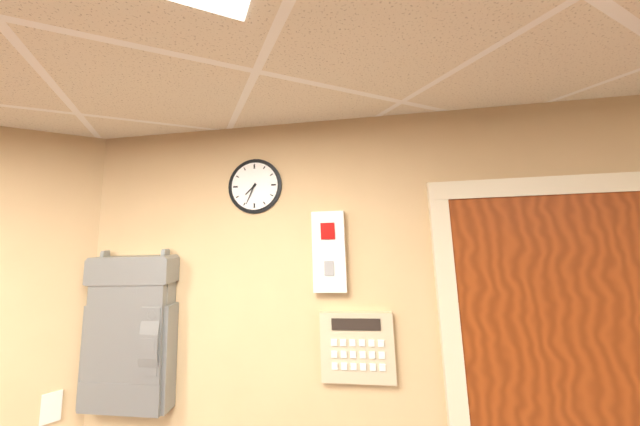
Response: **7:34**
